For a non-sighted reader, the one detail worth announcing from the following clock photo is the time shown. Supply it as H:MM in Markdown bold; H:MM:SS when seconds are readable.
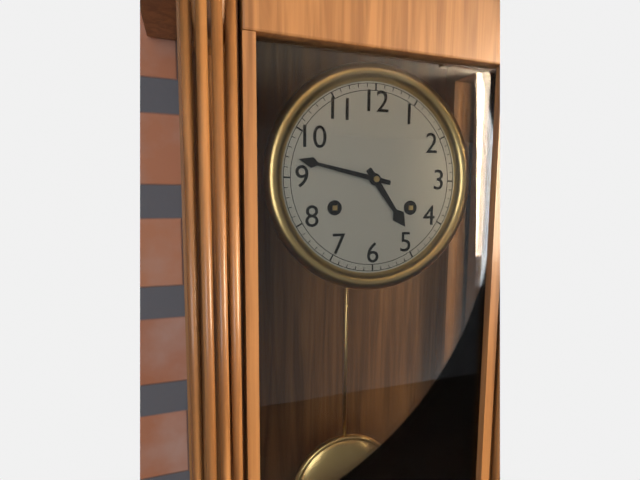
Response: **4:47**
